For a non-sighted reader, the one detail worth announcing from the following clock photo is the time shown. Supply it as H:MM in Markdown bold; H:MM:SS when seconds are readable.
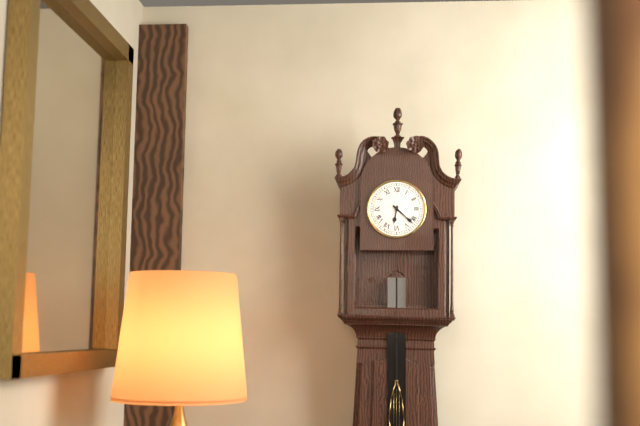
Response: **6:22**
